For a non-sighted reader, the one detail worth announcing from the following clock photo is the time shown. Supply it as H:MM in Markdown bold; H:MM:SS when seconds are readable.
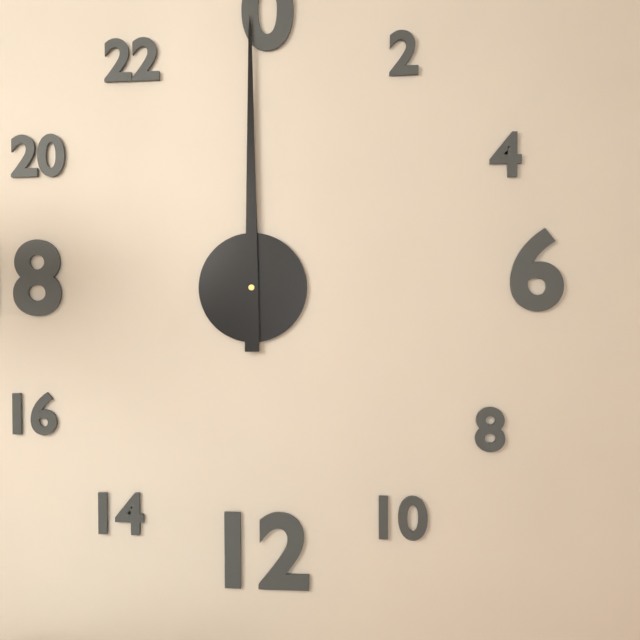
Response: **12:00**
